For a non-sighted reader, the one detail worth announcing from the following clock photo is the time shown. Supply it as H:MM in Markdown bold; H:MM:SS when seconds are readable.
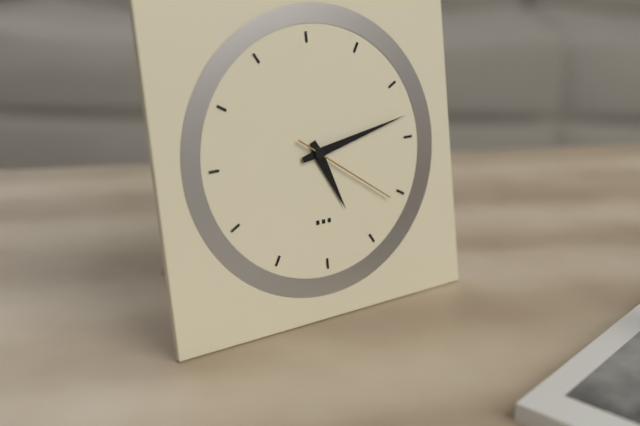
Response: **5:13:21**
